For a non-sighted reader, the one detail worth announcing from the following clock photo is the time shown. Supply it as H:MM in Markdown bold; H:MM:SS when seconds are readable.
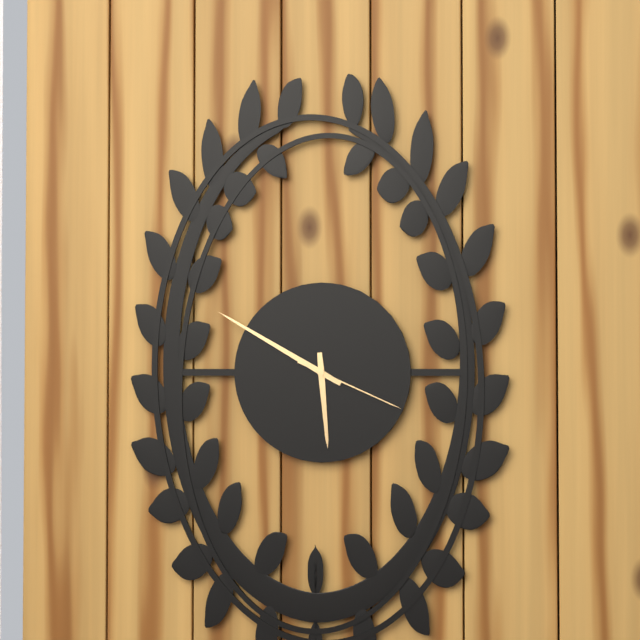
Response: **5:50:19**
